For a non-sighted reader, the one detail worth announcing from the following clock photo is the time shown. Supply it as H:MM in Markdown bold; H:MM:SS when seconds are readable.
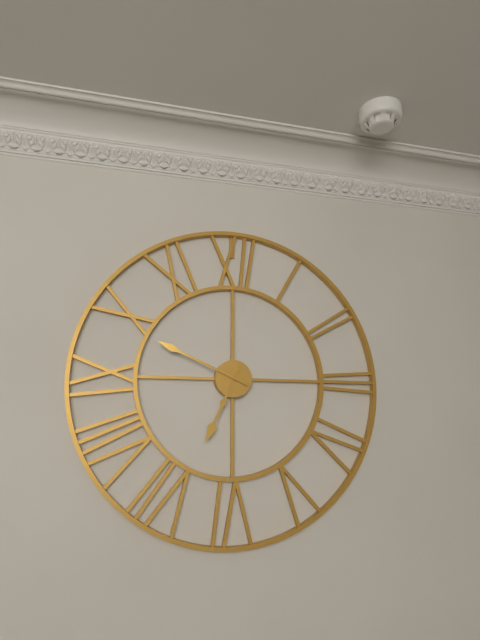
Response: **6:49**
